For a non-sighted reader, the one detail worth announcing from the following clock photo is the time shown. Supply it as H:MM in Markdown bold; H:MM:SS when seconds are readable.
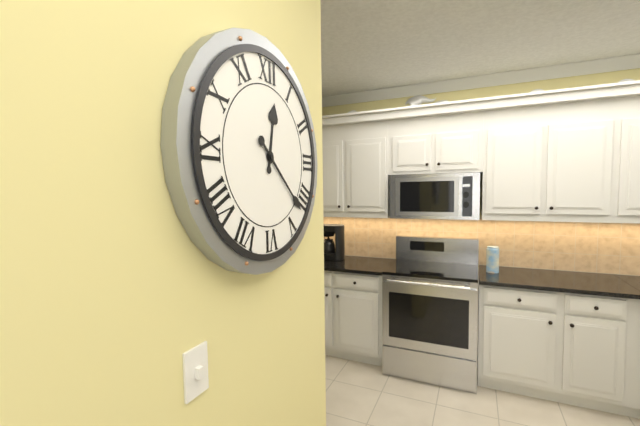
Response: **12:22**
